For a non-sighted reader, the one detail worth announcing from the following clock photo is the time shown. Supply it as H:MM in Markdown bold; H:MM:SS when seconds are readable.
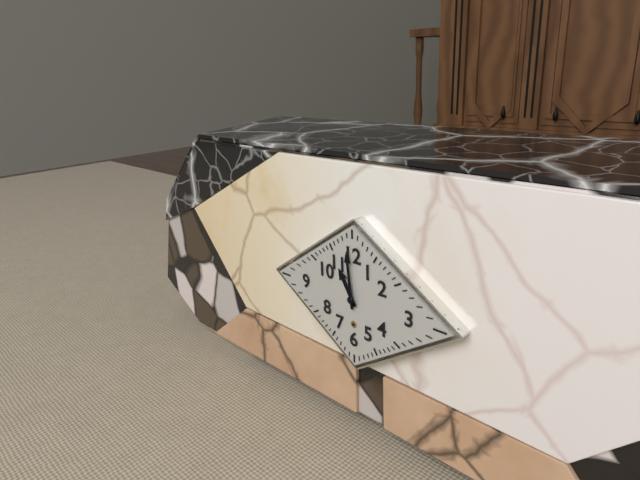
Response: **10:59**
